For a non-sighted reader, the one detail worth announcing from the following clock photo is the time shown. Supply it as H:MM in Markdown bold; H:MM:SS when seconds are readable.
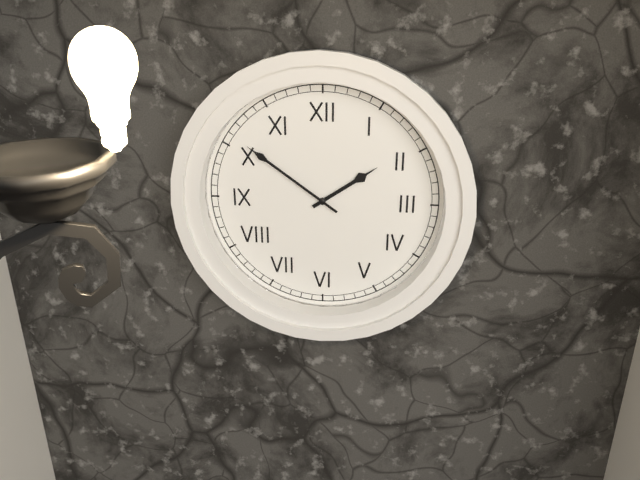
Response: **1:51**
